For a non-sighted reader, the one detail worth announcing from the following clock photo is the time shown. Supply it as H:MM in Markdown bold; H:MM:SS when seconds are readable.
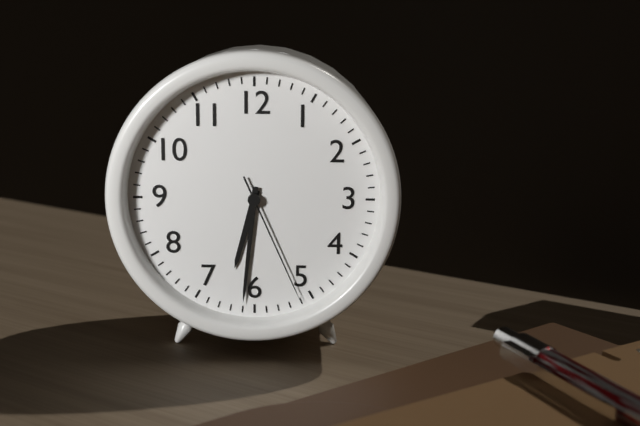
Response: **6:31:26**
